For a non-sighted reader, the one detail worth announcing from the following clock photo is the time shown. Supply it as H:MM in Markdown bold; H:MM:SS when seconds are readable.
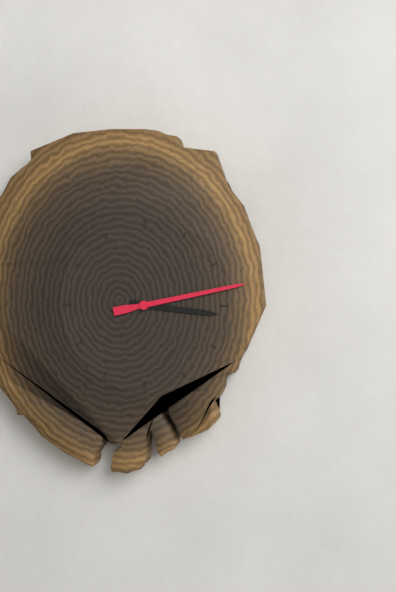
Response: **3:13**
